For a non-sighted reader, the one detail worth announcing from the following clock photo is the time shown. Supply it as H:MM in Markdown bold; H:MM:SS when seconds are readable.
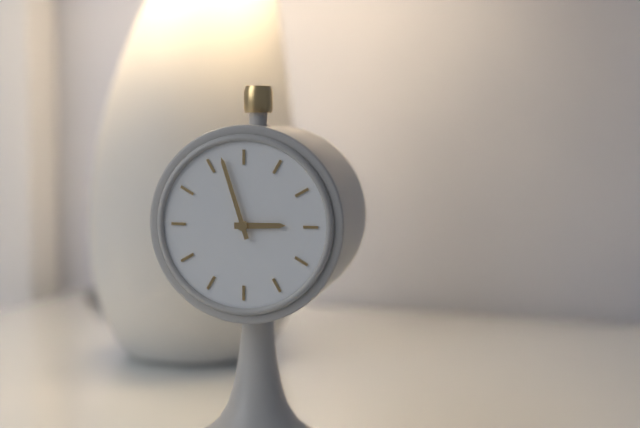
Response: **2:57**
